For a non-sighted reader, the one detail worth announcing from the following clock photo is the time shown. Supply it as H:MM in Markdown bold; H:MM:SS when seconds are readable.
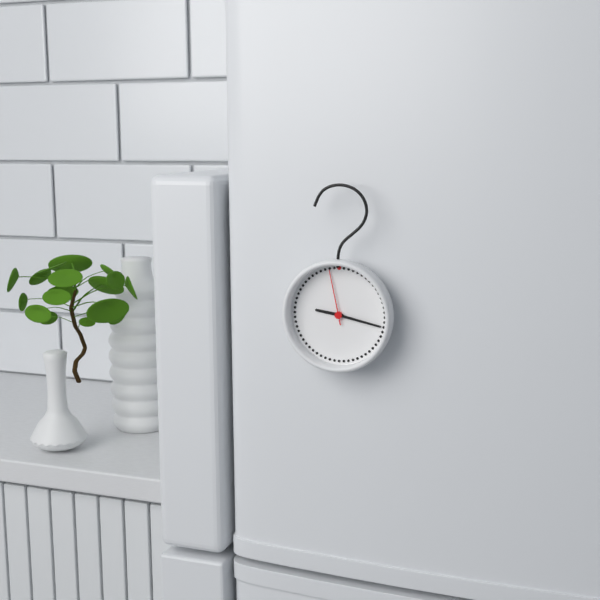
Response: **9:17:58**
